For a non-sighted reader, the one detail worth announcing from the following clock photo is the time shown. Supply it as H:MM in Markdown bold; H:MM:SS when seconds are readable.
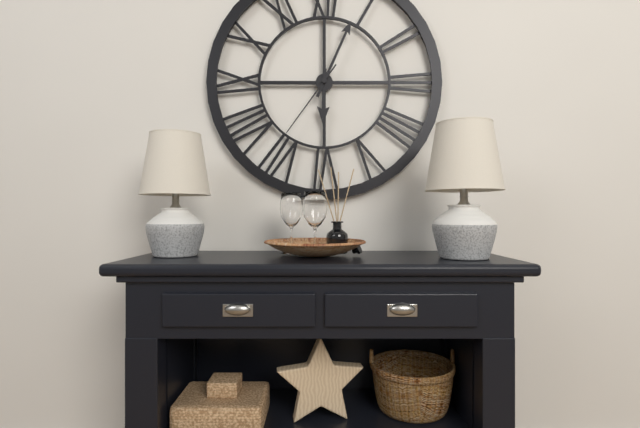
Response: **6:04:36**
